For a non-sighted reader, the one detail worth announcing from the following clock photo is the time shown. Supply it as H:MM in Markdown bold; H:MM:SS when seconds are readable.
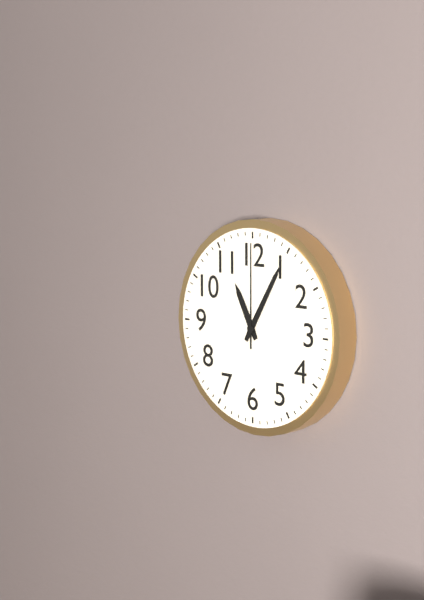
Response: **11:05:00**
